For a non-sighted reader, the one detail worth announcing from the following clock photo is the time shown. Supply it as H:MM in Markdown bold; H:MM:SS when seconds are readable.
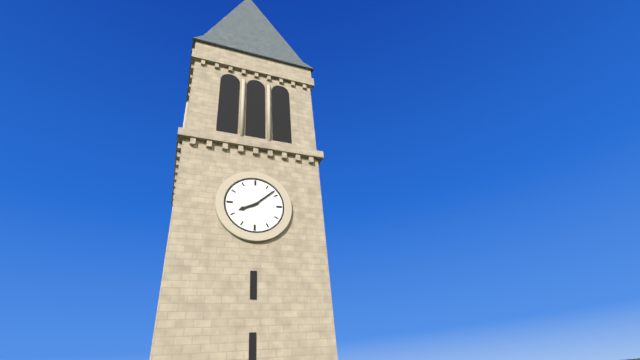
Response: **8:08**
